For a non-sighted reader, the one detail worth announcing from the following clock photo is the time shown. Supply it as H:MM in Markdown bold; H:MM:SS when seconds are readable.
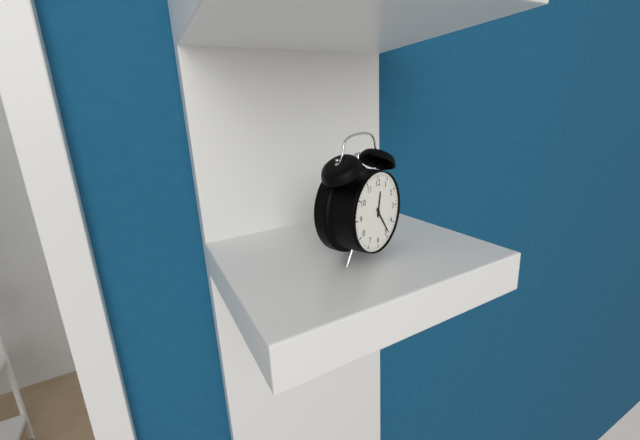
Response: **12:24**
